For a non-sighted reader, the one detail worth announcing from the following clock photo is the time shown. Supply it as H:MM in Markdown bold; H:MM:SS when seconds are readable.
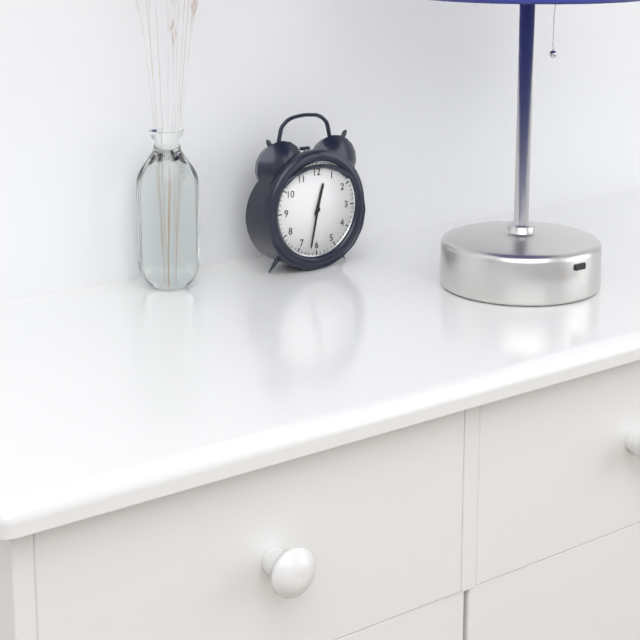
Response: **12:32**
